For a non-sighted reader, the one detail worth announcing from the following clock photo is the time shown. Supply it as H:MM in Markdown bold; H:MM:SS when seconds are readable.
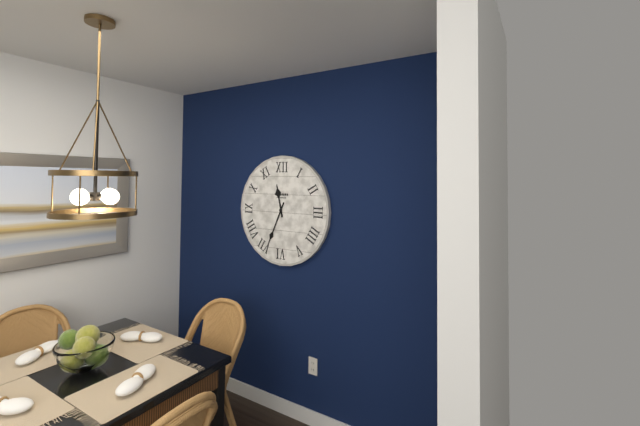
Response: **11:34**
